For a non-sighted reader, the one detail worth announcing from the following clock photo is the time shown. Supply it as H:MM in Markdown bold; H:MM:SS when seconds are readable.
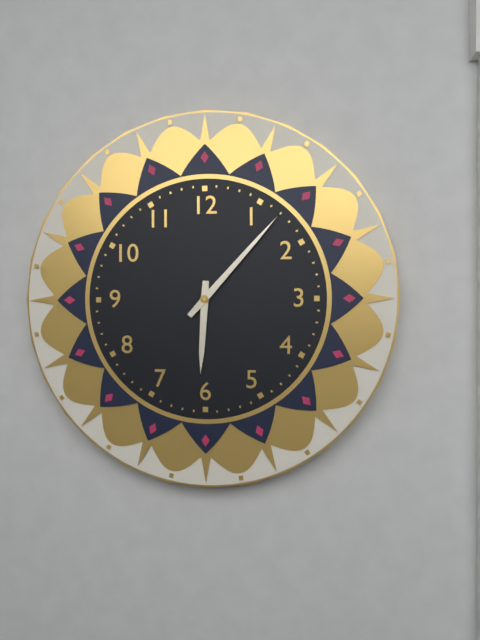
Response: **6:07**
